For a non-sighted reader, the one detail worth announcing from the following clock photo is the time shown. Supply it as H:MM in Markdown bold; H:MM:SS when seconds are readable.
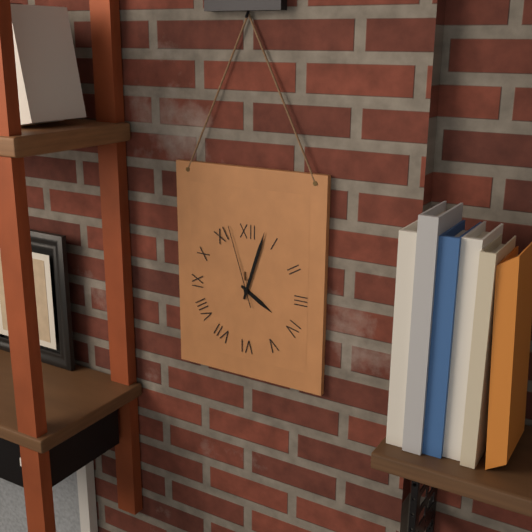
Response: **4:03:57**
